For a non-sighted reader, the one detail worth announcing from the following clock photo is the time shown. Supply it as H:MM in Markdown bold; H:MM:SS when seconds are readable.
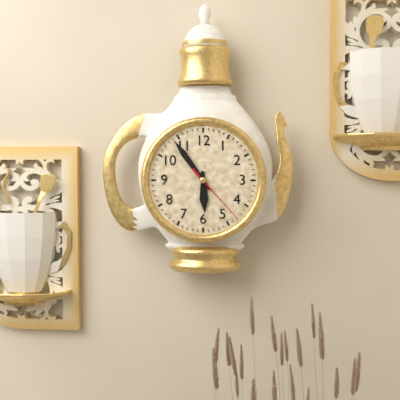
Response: **5:54:23**
